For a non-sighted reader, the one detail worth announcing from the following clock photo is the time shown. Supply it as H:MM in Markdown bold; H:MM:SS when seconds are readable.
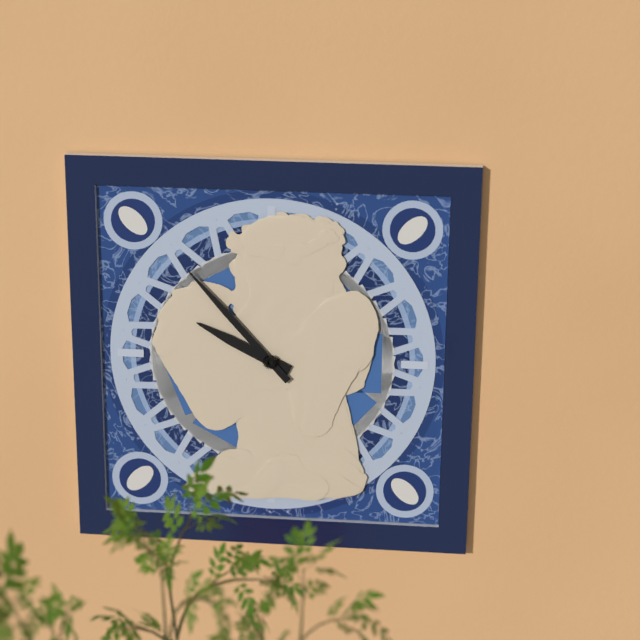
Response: **9:53**
